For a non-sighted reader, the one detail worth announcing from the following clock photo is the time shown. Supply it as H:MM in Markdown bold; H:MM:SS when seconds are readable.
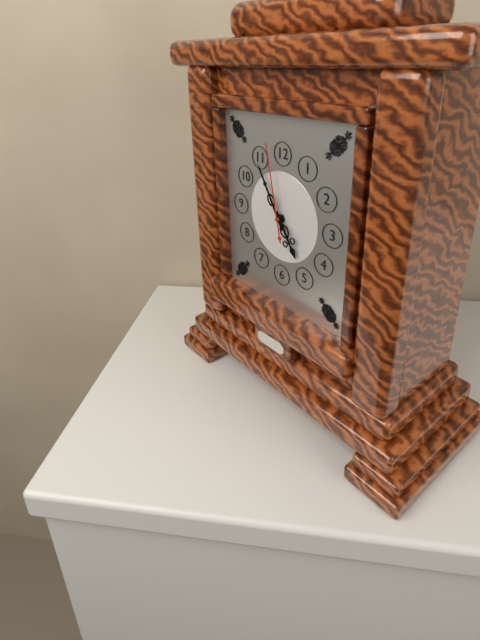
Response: **4:55:58**
